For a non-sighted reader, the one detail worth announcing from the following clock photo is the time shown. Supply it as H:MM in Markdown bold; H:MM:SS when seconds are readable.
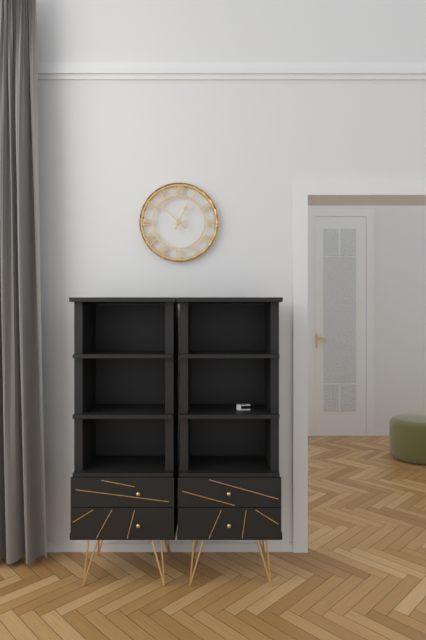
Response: **12:52**
